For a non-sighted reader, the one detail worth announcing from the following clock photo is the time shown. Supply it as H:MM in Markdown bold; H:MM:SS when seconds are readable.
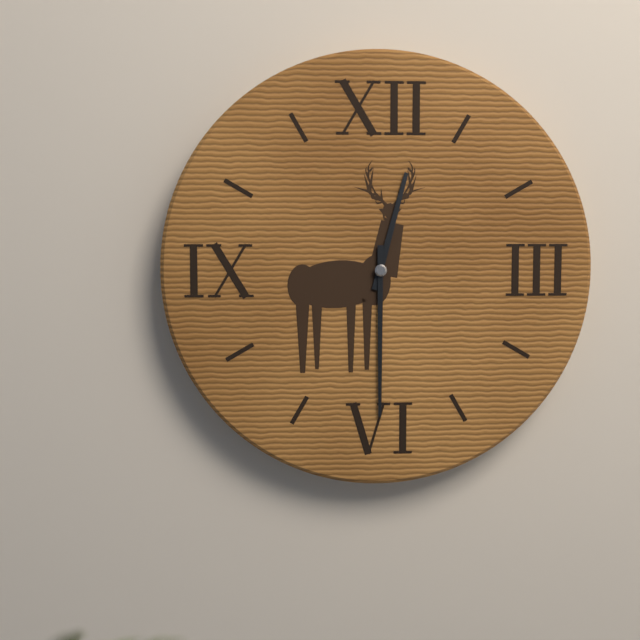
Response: **12:30**
